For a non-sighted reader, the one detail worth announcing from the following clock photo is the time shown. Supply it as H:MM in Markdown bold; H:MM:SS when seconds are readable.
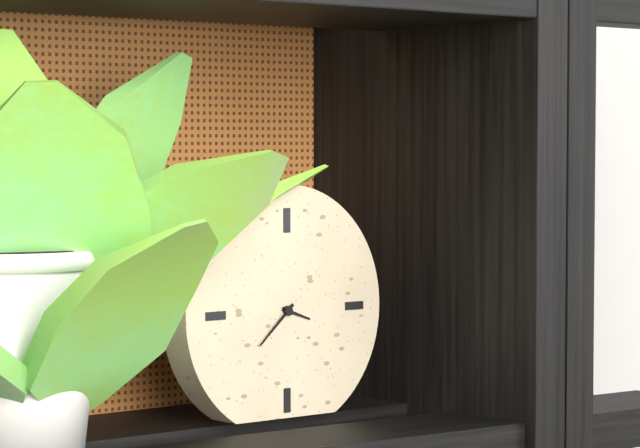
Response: **3:38**
